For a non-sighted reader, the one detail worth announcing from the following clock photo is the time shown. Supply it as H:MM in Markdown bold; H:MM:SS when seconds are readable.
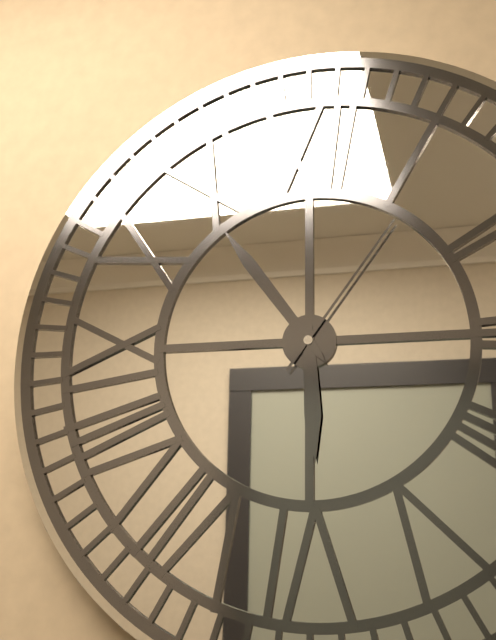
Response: **5:54:06**
